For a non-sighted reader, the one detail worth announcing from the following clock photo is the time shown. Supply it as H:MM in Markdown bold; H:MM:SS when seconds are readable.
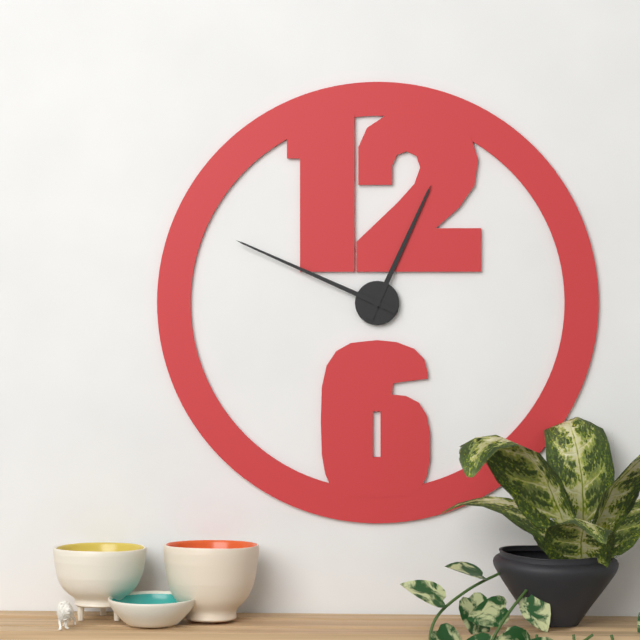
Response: **12:49**
